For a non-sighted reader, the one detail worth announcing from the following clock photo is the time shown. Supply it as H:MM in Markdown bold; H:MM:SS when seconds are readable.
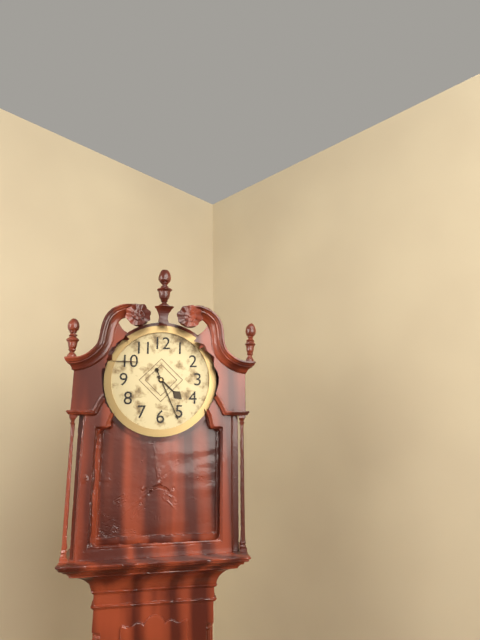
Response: **4:26**
